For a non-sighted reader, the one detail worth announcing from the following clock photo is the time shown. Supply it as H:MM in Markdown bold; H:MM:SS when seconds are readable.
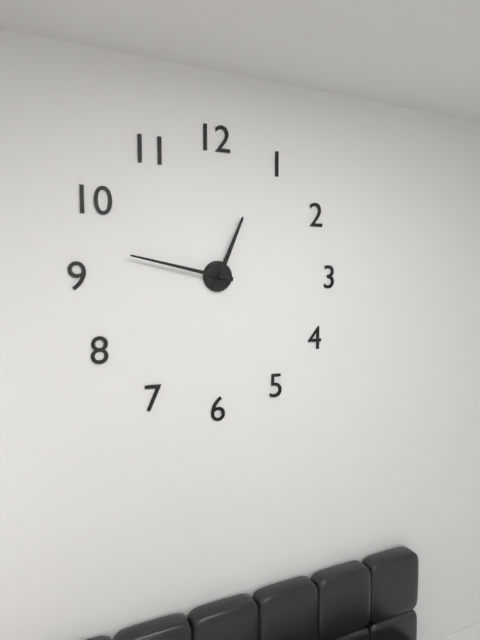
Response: **12:47**
